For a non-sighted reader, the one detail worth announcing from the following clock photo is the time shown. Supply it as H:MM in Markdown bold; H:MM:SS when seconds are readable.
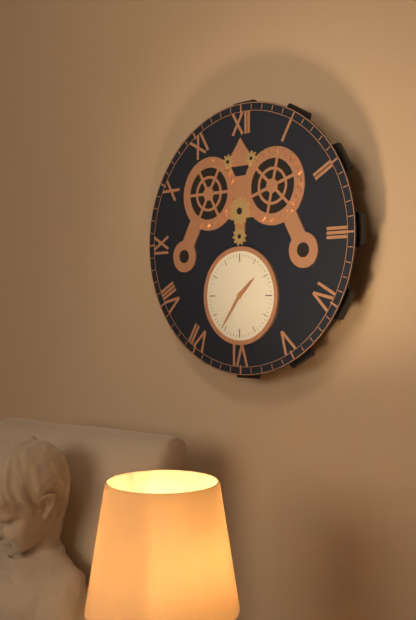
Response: **1:36**
